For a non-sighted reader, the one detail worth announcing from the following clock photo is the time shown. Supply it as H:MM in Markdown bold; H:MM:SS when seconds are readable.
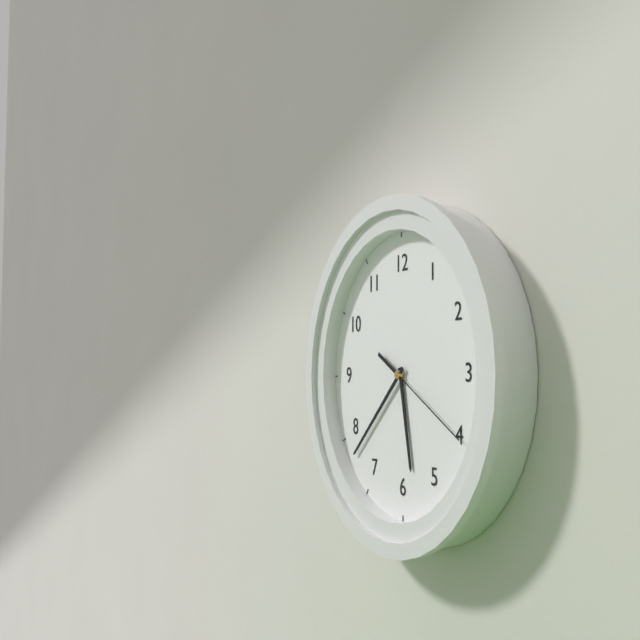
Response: **5:38:20**
